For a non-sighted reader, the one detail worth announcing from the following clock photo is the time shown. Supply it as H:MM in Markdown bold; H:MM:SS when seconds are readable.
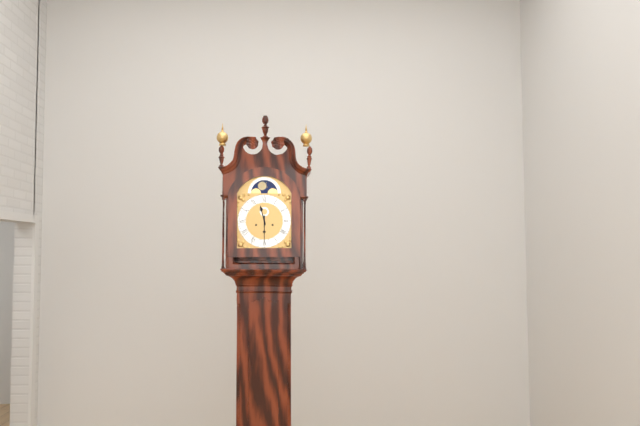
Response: **11:30**
